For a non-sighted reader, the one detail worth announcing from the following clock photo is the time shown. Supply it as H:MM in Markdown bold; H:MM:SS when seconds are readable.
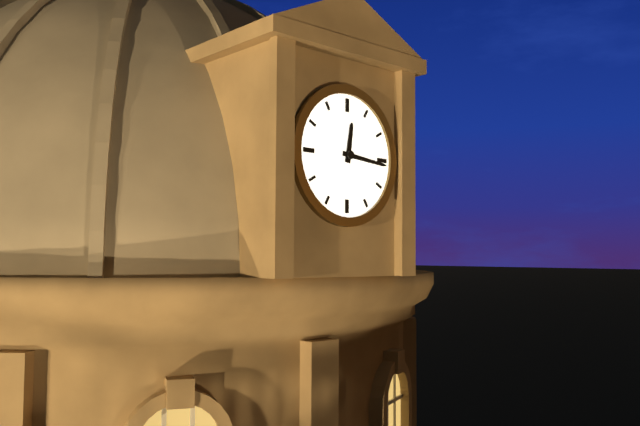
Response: **12:16**
